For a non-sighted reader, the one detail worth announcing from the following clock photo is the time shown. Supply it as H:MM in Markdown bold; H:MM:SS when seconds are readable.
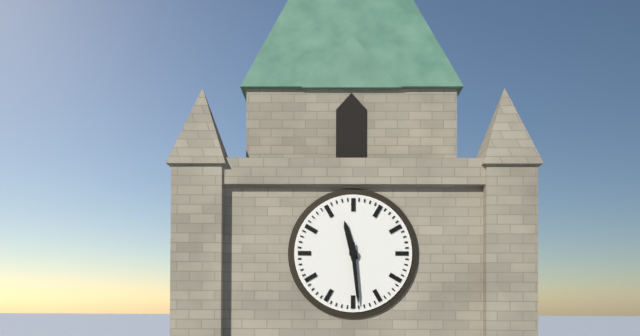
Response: **11:29**
